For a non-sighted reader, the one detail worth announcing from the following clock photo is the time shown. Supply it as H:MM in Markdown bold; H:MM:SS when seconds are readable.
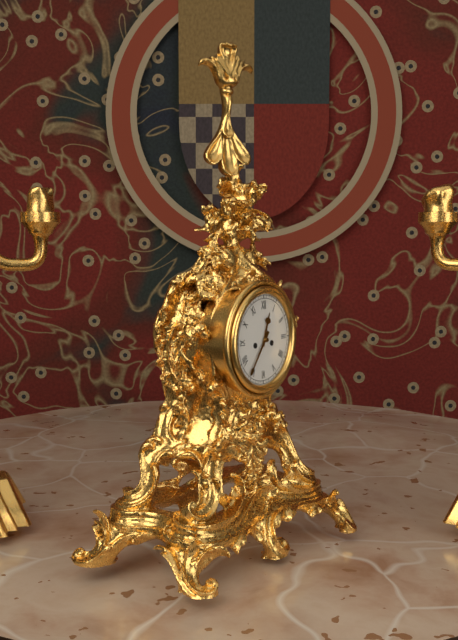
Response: **12:36**
